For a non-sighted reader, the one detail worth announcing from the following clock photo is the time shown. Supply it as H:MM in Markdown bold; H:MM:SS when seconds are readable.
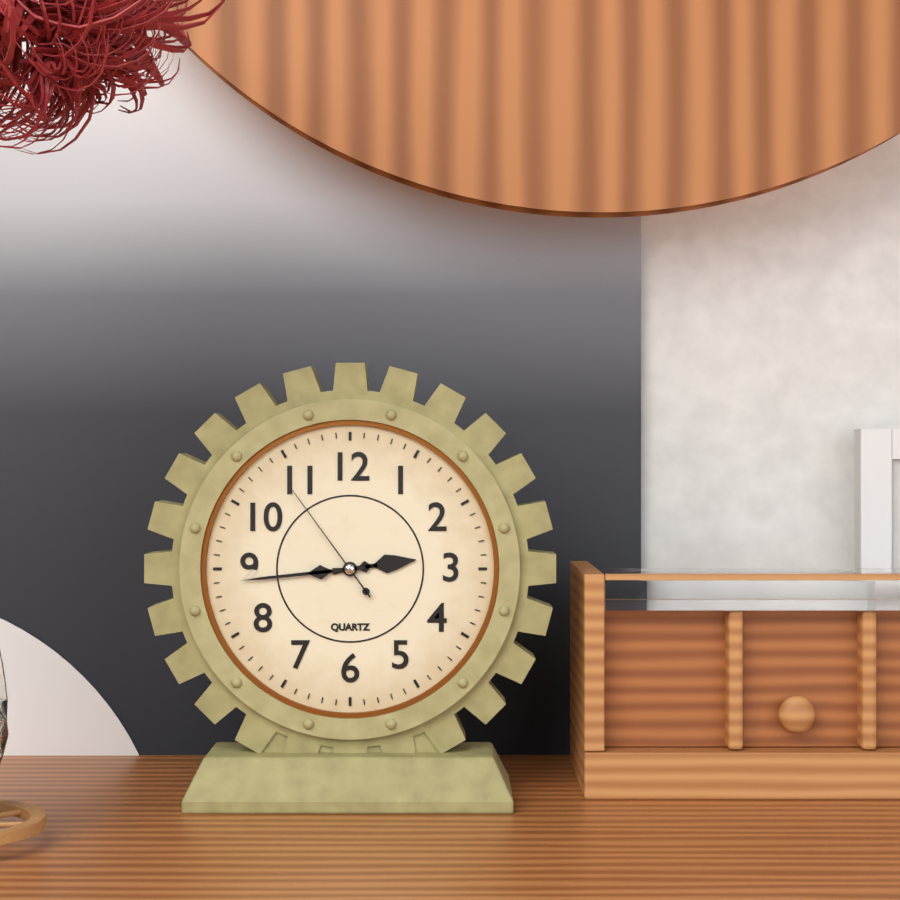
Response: **2:44:54**
